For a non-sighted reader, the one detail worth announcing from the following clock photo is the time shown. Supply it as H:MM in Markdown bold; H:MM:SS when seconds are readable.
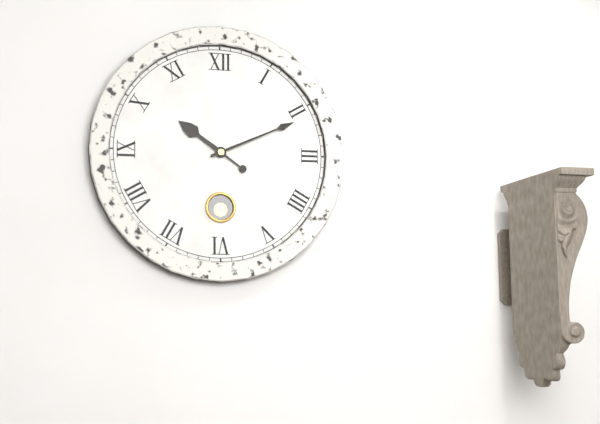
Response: **10:11**
